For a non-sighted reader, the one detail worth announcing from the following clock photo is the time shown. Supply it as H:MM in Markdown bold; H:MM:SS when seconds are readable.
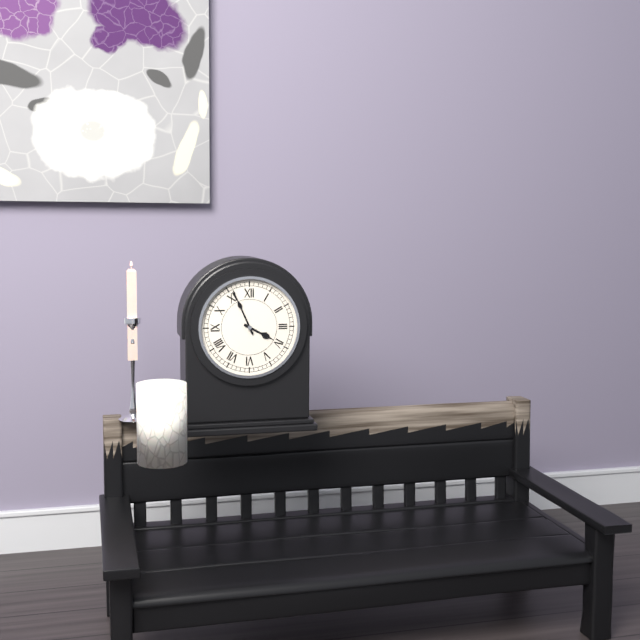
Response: **3:56**
